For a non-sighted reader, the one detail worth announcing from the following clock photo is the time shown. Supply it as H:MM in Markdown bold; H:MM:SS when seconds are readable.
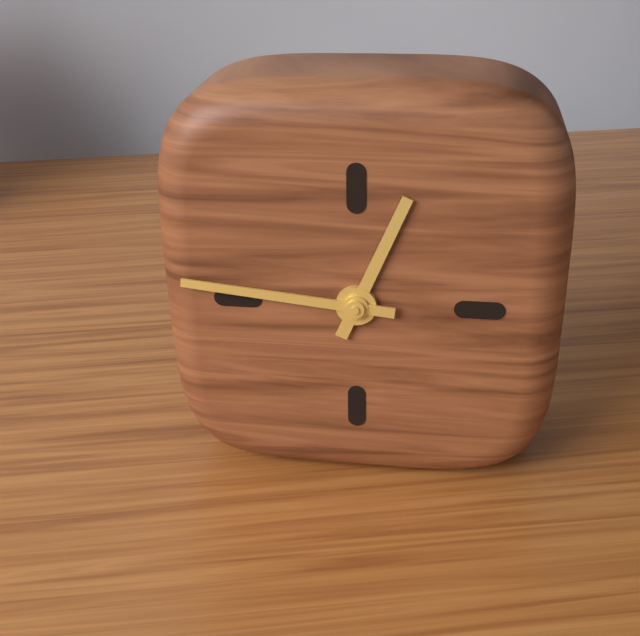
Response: **12:46**
